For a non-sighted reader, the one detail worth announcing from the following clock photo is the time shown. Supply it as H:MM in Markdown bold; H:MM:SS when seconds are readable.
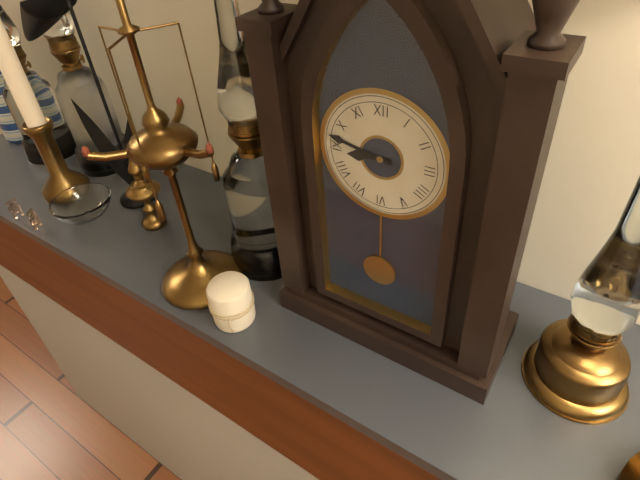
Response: **8:47**
